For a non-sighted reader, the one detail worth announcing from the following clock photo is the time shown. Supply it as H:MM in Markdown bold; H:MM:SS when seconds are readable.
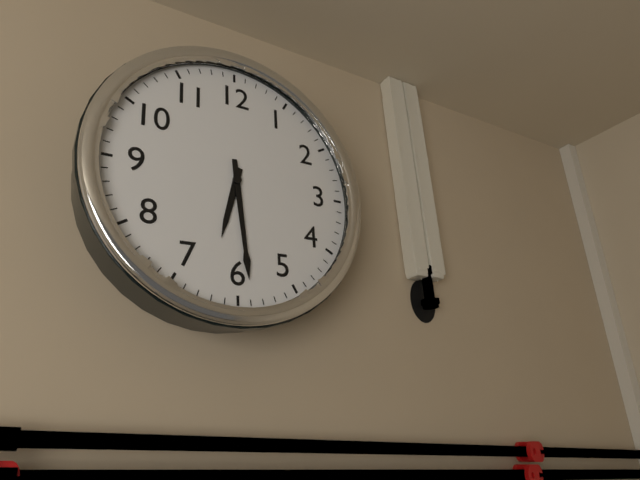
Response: **6:29**
